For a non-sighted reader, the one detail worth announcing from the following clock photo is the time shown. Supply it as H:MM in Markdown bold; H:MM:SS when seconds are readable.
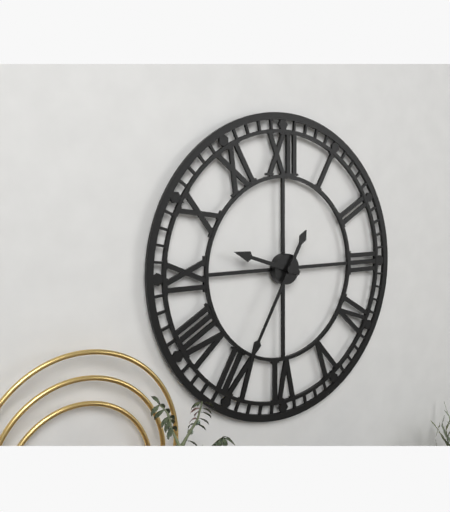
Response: **9:35**
